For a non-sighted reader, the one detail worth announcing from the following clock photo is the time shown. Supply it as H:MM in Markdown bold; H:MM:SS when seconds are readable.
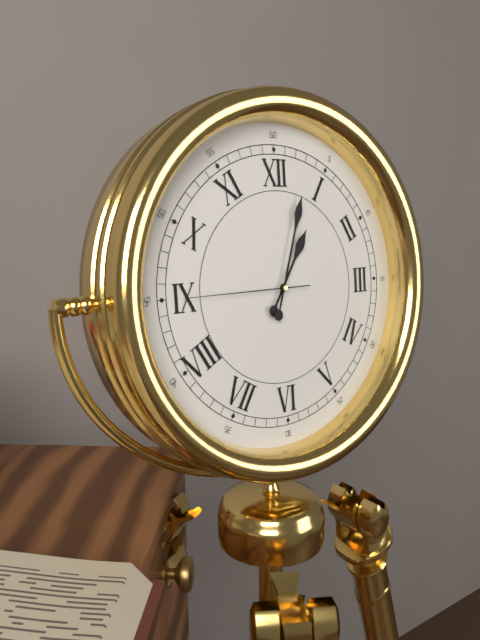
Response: **1:03:45**
